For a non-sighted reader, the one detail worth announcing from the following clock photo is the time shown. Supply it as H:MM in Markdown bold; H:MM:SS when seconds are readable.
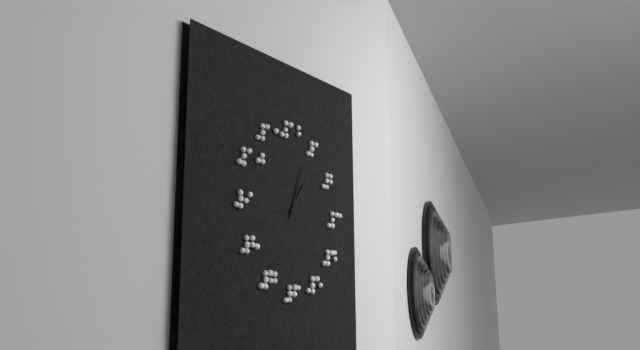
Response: **1:03**
